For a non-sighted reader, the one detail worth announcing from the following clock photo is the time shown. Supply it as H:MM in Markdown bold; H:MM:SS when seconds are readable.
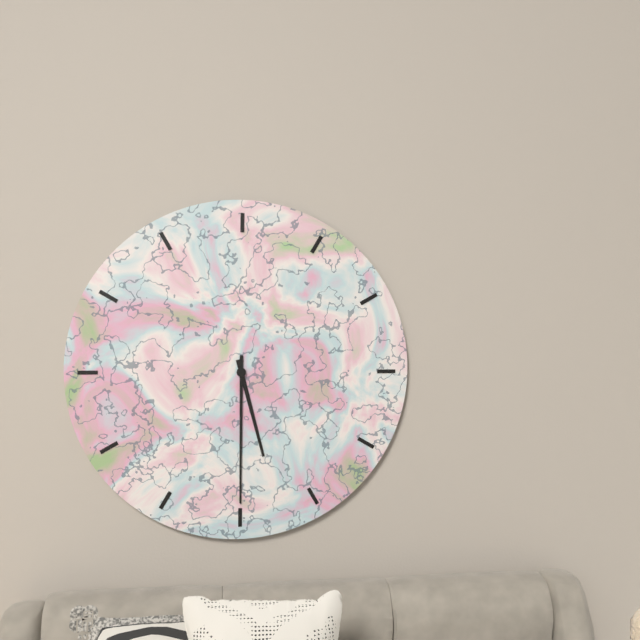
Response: **5:30**
